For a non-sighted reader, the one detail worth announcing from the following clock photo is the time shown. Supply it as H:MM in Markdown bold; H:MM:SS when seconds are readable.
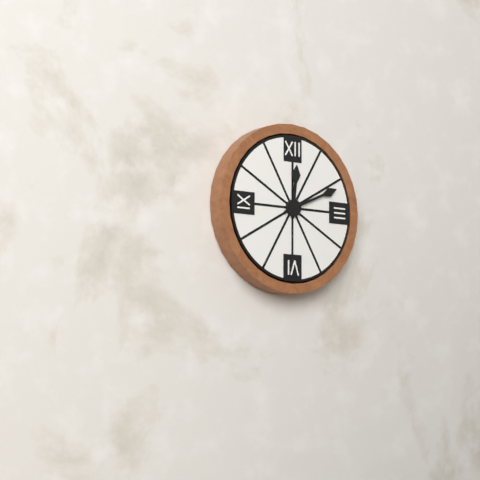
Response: **12:11**
